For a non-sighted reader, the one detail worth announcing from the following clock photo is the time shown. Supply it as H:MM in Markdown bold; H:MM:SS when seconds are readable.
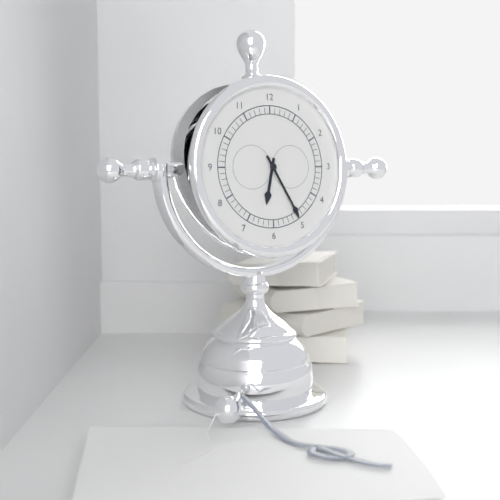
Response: **6:25**
